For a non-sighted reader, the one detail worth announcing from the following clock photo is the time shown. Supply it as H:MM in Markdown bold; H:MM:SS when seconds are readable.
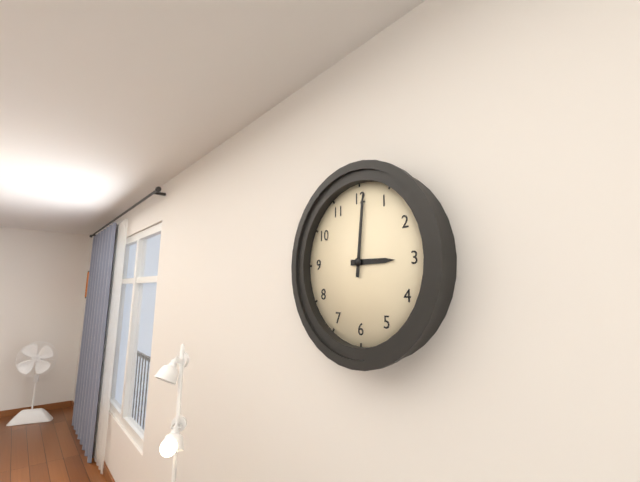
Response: **3:01**
